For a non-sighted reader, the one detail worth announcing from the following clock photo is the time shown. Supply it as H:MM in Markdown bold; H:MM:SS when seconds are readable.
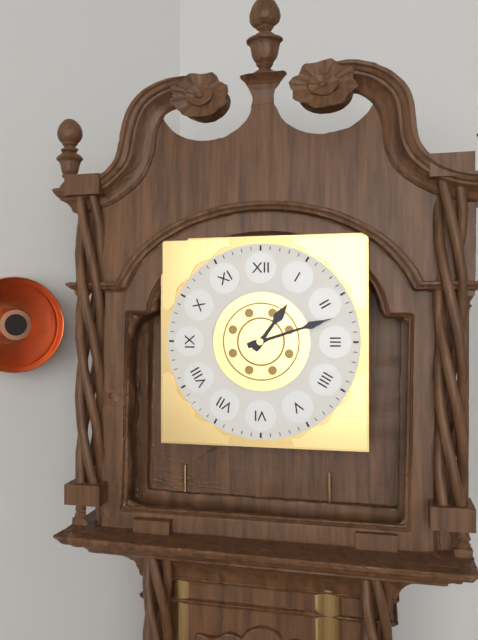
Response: **1:12**
